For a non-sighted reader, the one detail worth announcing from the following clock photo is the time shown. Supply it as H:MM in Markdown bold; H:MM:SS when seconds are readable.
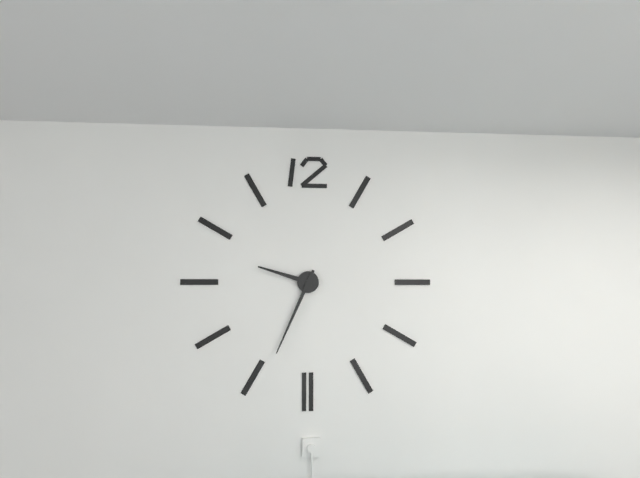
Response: **9:34**
